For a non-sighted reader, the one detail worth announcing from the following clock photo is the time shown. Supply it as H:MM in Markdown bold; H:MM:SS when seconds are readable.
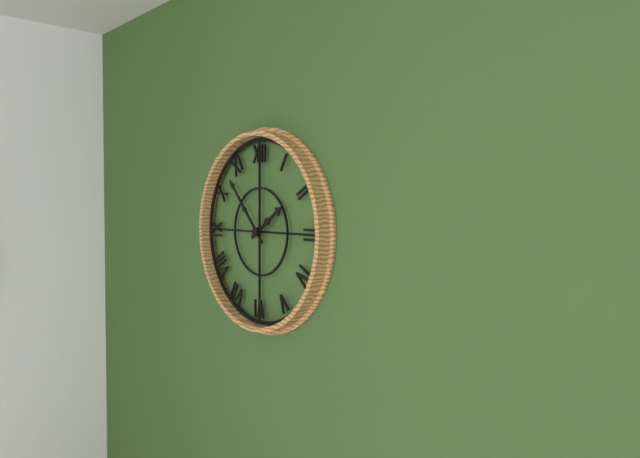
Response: **1:53**
